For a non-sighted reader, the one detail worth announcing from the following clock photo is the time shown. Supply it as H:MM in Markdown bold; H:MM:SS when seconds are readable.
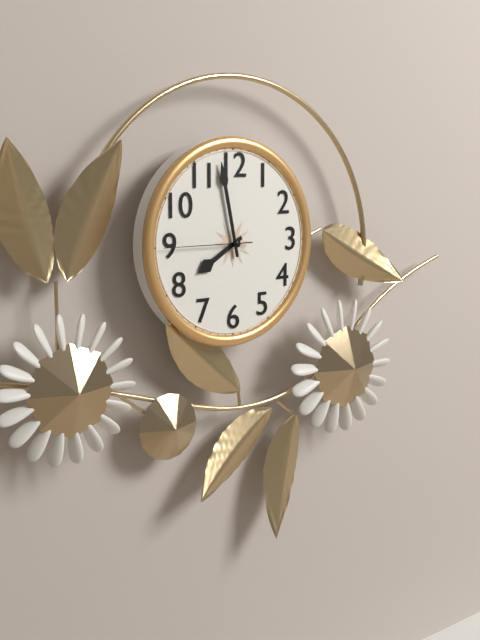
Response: **7:58:45**
